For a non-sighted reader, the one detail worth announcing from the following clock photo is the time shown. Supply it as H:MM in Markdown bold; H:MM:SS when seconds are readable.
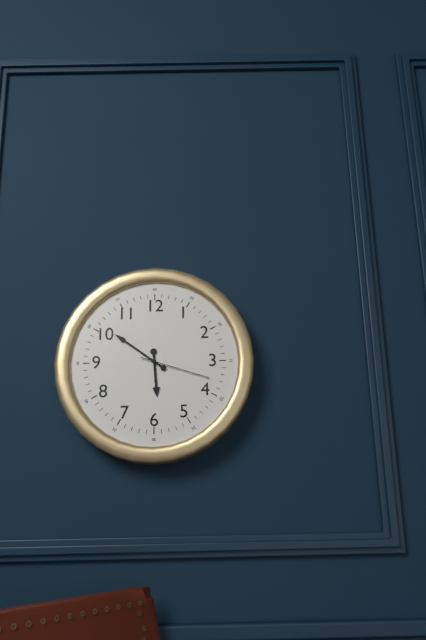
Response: **5:51:18**
